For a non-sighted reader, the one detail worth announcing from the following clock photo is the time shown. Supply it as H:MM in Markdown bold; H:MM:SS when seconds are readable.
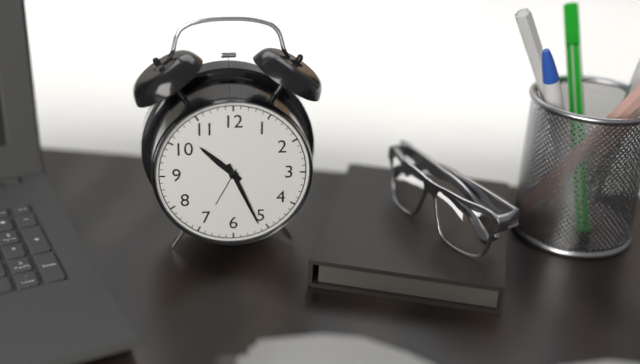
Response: **10:26**
